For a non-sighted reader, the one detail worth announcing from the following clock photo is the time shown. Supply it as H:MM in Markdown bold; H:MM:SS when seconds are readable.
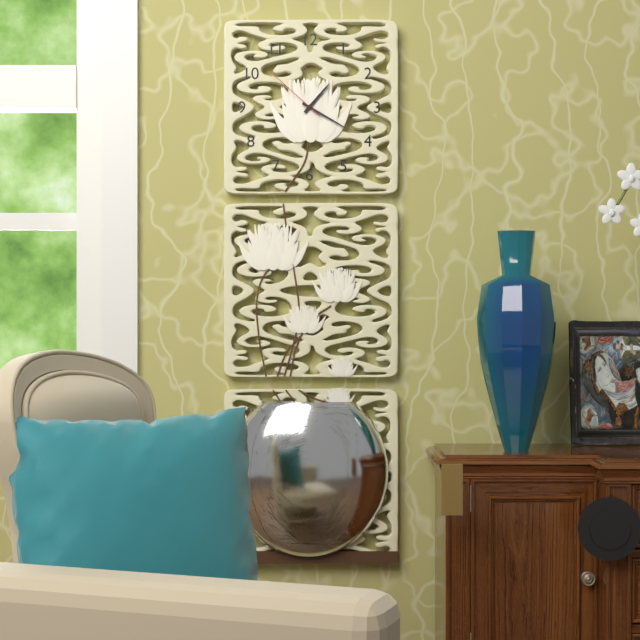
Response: **1:20:52**
